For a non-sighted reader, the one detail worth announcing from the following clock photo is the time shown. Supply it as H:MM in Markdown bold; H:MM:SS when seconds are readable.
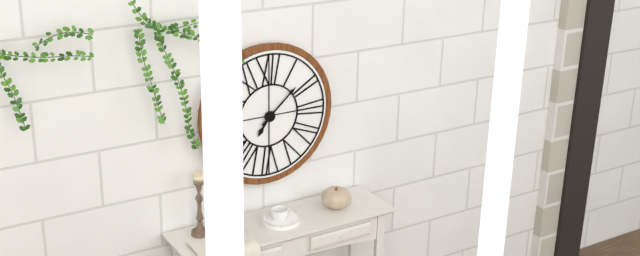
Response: **7:08**
